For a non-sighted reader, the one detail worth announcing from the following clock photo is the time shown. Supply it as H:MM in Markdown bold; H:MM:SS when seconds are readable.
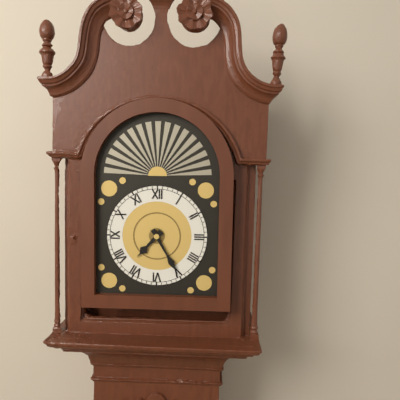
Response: **7:25**
